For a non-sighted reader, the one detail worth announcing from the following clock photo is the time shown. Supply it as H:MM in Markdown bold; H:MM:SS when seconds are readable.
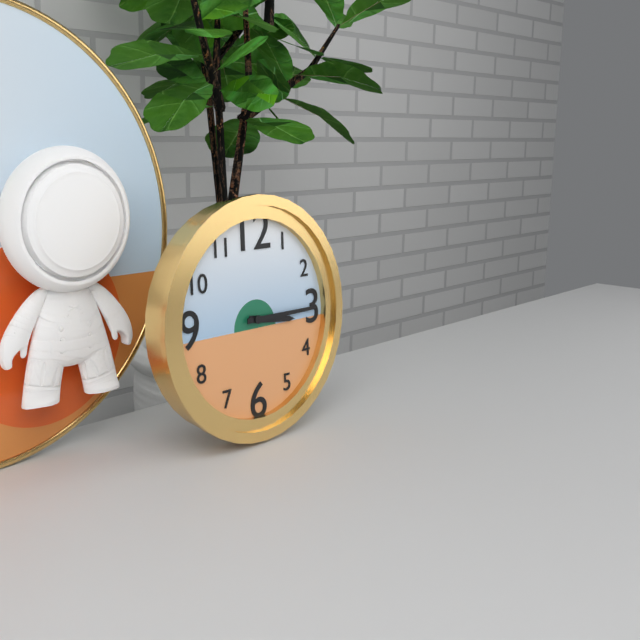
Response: **3:15**
